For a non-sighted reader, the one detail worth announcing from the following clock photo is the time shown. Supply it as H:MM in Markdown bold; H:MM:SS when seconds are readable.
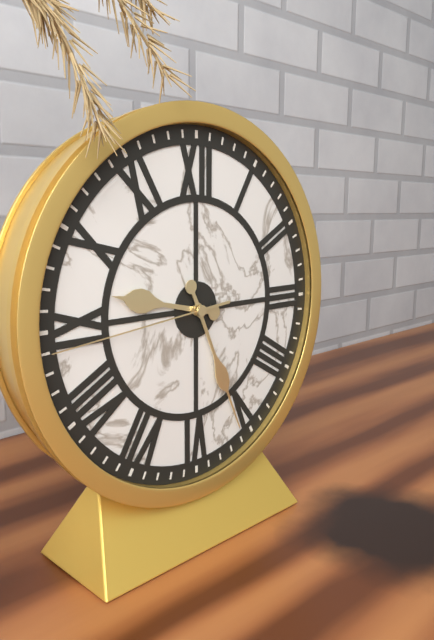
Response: **9:26:44**
